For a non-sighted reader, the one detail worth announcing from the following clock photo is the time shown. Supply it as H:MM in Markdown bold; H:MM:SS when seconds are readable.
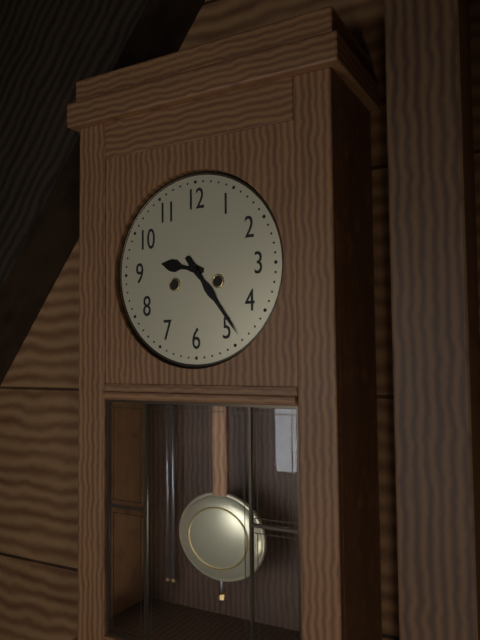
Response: **9:24**
